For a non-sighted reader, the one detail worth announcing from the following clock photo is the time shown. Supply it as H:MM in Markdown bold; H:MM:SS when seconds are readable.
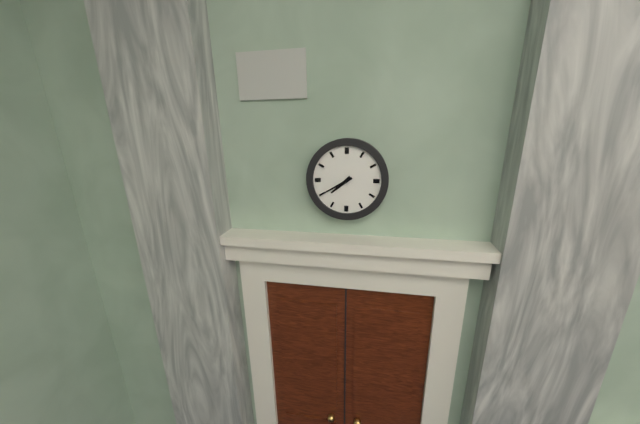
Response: **7:40**
